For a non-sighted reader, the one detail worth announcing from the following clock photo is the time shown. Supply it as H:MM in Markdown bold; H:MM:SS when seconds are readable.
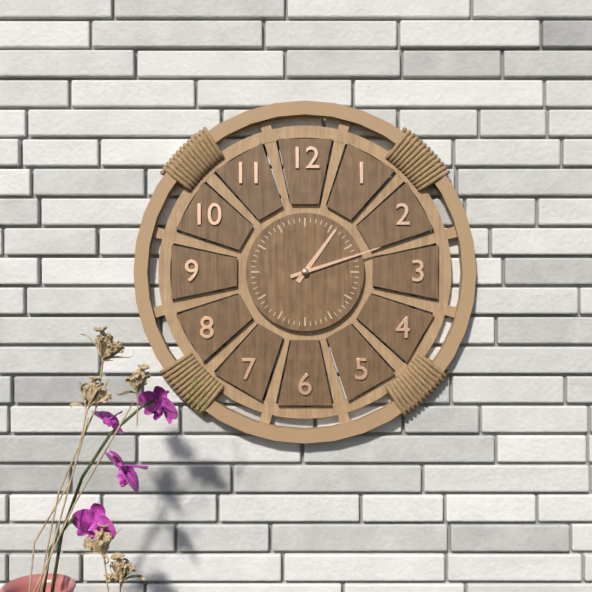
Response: **1:12**
